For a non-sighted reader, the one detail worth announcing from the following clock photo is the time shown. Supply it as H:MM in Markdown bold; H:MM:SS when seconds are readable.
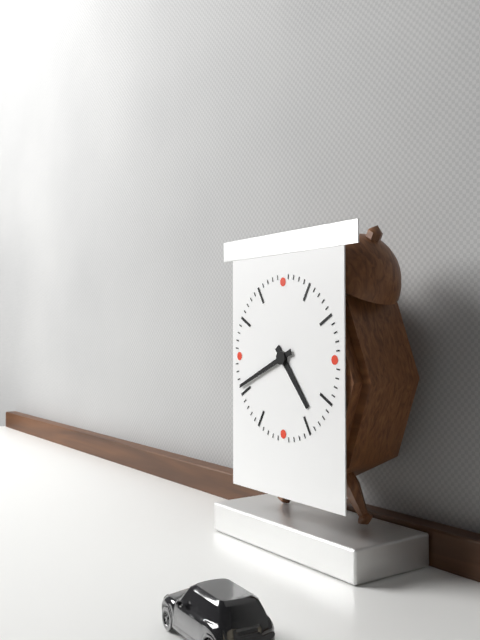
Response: **4:41**
